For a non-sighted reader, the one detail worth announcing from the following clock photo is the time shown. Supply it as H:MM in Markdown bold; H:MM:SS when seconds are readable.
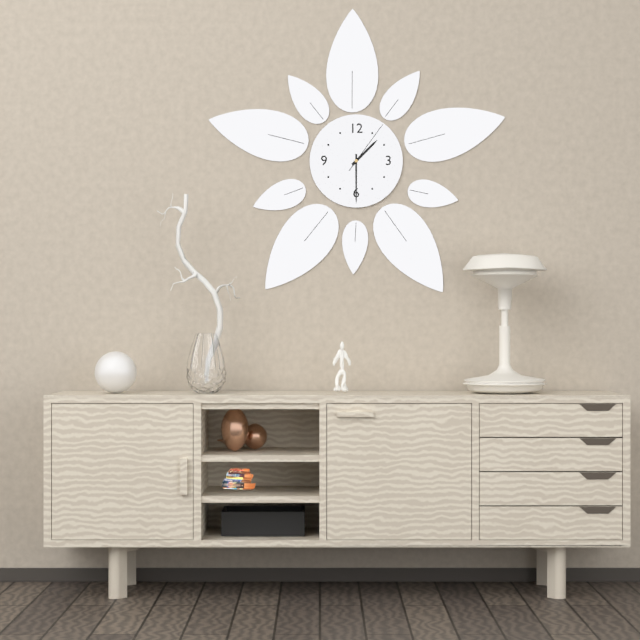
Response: **1:30:06**
